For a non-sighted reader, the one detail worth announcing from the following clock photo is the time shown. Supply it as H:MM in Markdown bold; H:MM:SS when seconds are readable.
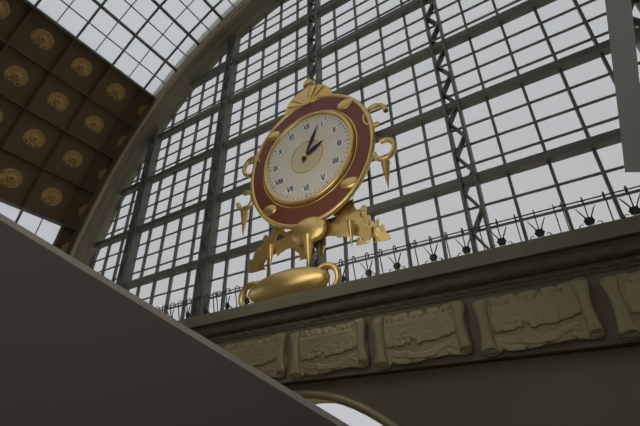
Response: **2:04**
